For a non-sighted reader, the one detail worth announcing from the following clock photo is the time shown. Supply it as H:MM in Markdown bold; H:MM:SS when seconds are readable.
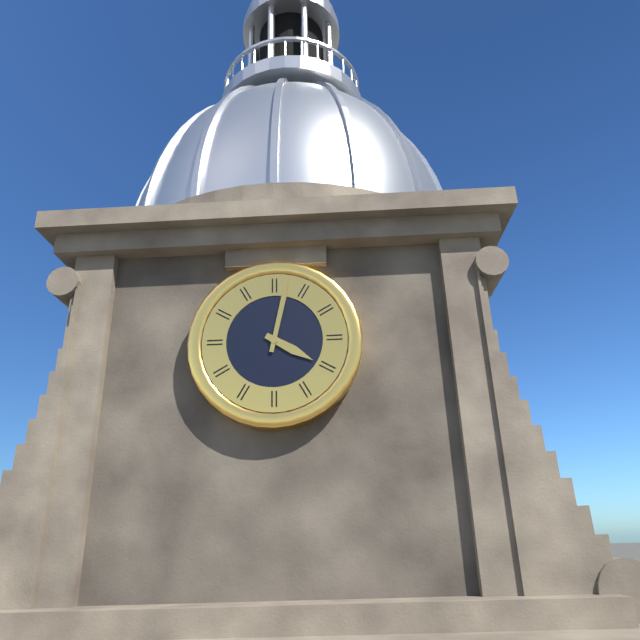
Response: **4:02**
